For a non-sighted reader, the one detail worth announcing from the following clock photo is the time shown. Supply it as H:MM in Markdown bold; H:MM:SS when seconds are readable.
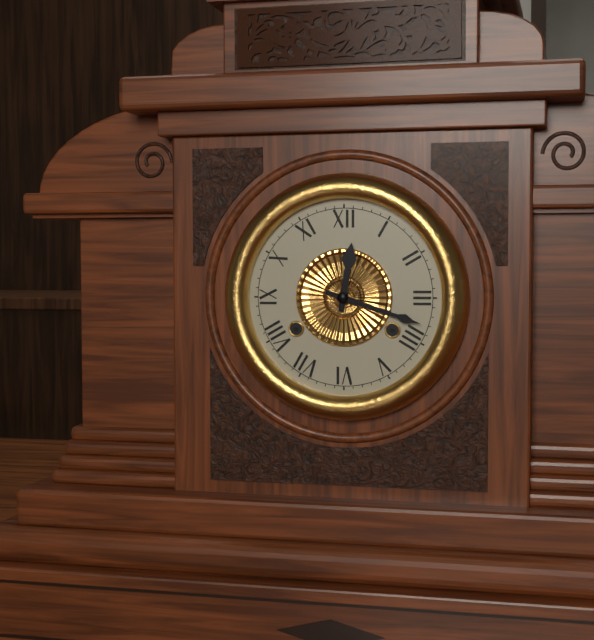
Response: **12:18**
